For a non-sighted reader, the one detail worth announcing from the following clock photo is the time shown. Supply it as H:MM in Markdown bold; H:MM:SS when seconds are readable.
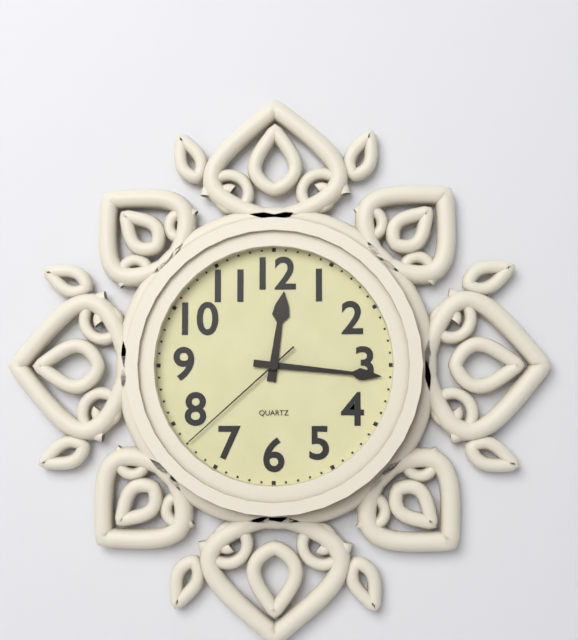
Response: **12:16:38**
